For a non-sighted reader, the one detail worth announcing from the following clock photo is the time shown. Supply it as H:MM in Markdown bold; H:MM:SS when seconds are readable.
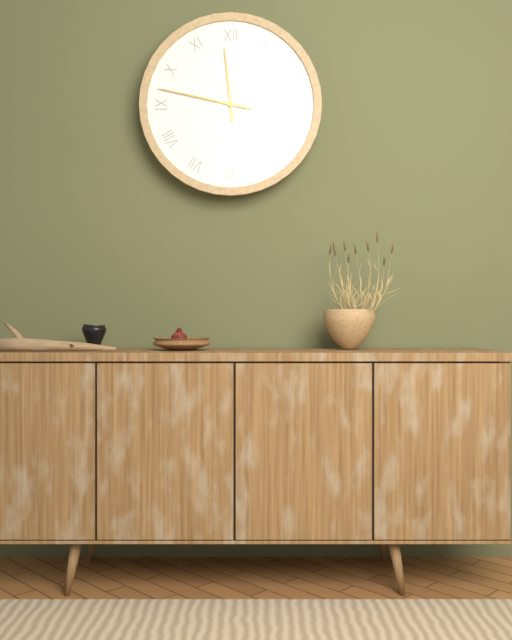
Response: **11:47**
